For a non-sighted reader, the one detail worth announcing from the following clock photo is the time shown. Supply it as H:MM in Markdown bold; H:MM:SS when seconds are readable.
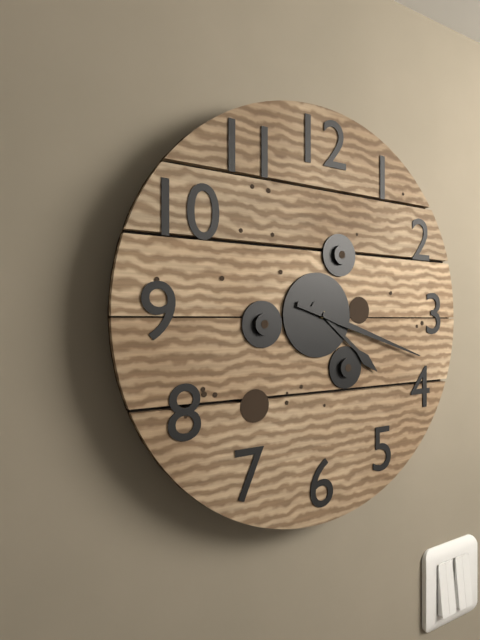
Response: **4:18**
